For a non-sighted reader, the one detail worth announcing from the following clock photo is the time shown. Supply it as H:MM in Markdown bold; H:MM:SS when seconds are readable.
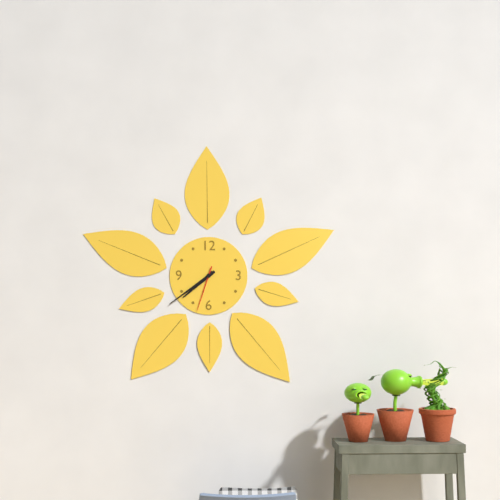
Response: **7:39**
